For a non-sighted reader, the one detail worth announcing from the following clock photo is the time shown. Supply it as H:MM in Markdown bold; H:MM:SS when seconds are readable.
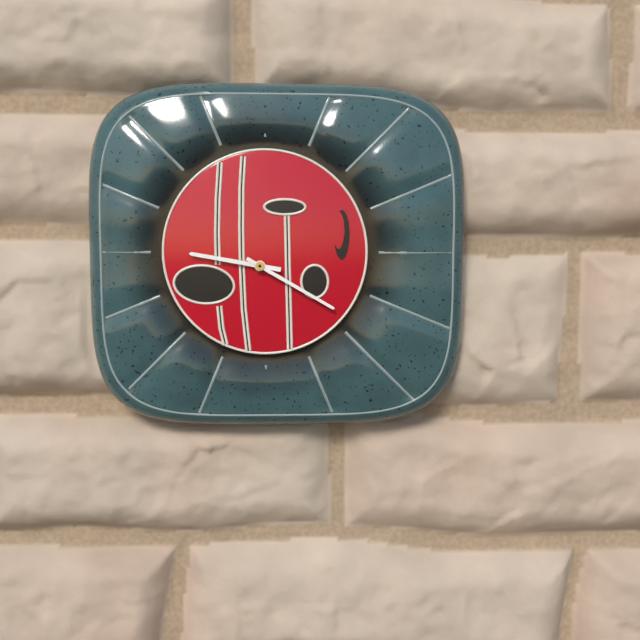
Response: **9:20**
